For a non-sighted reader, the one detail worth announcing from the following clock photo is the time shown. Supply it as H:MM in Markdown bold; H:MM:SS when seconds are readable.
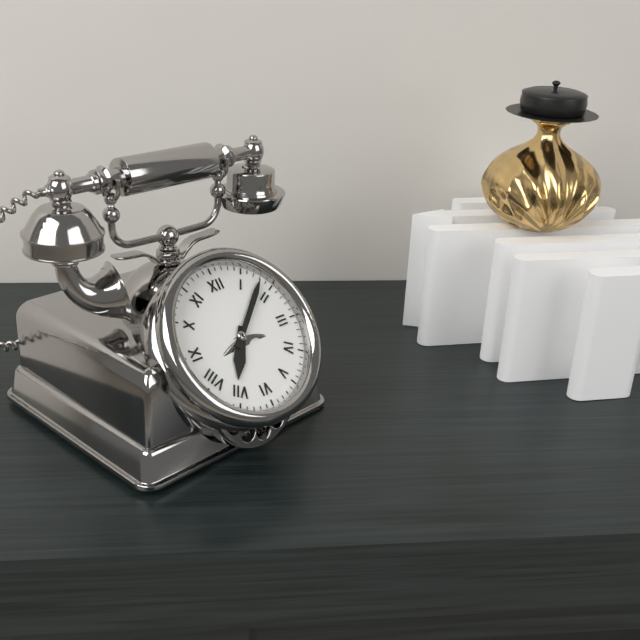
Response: **7:08**
